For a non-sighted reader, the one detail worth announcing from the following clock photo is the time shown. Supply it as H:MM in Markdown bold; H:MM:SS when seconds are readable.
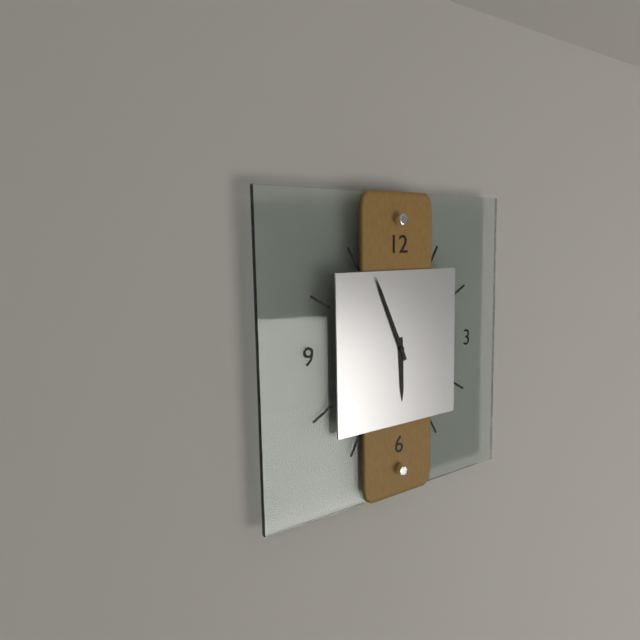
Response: **5:56**
